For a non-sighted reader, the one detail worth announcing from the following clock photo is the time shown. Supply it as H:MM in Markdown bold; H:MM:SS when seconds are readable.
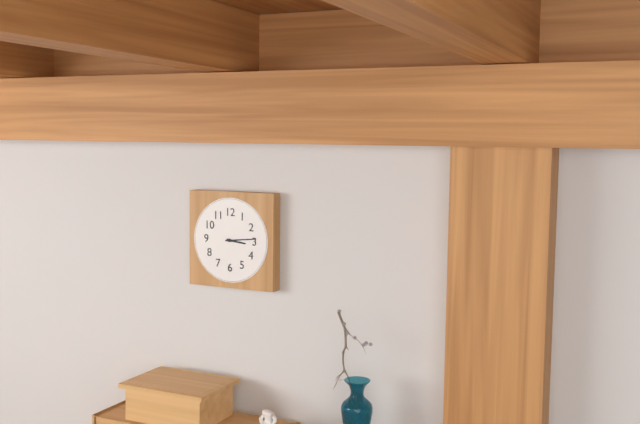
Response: **3:14**
